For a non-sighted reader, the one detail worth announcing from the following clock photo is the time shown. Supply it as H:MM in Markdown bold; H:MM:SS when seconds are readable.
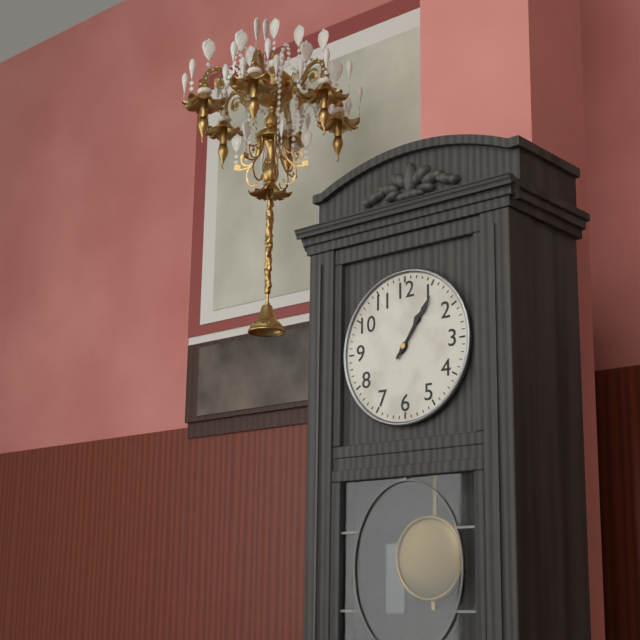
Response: **1:06**
